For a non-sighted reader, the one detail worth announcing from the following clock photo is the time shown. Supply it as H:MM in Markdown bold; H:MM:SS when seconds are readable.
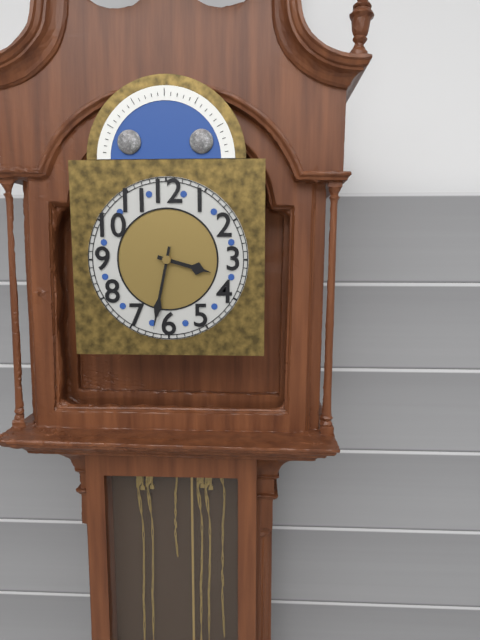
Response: **3:32**
